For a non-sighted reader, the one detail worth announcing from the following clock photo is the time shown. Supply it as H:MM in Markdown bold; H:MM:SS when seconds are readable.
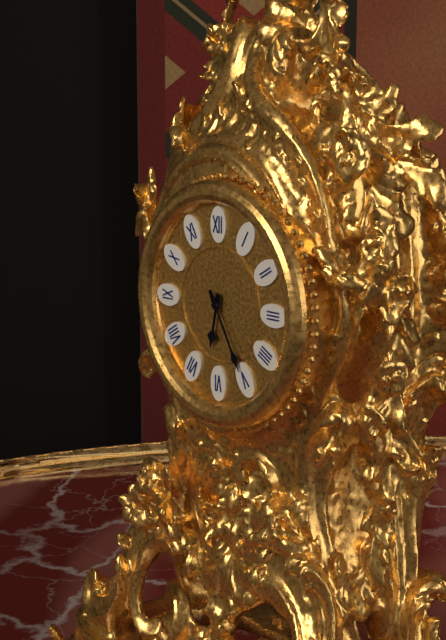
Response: **6:25**
